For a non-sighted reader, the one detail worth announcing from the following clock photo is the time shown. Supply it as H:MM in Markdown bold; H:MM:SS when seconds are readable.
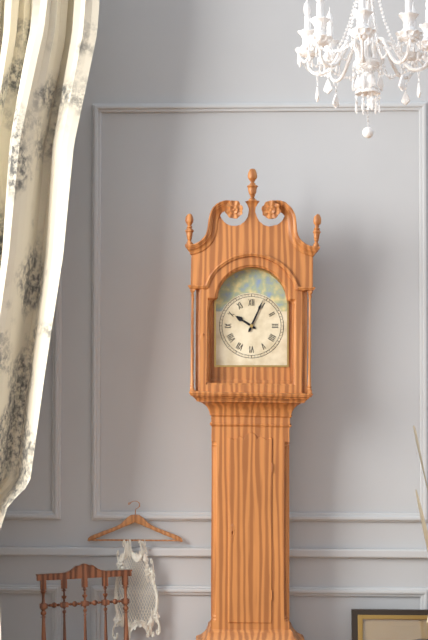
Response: **10:04**
